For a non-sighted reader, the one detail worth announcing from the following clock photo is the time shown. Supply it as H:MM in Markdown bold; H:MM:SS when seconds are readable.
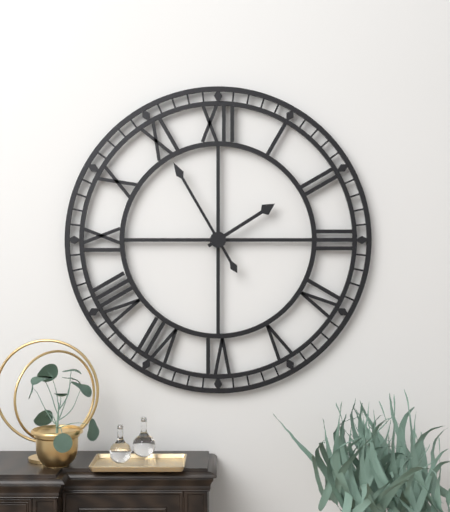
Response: **1:55**
